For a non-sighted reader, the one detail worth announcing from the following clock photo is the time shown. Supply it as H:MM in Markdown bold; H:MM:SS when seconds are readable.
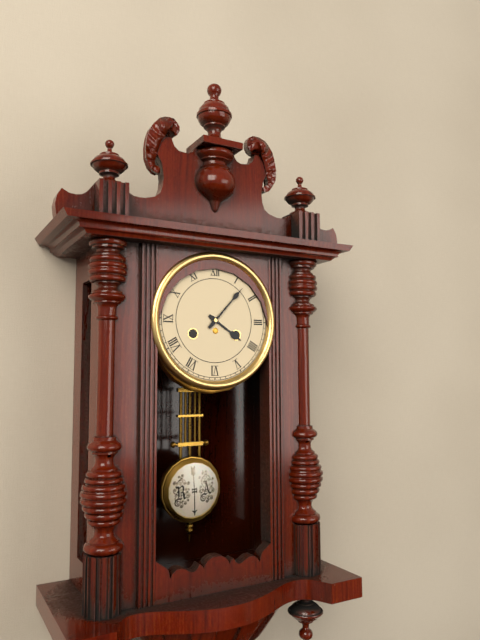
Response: **4:07**
